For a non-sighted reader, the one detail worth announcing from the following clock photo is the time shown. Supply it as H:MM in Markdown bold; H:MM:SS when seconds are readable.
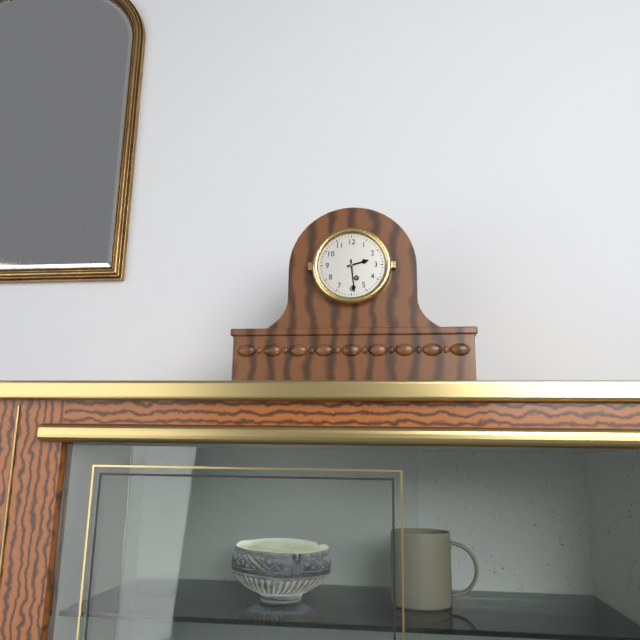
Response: **2:29**
